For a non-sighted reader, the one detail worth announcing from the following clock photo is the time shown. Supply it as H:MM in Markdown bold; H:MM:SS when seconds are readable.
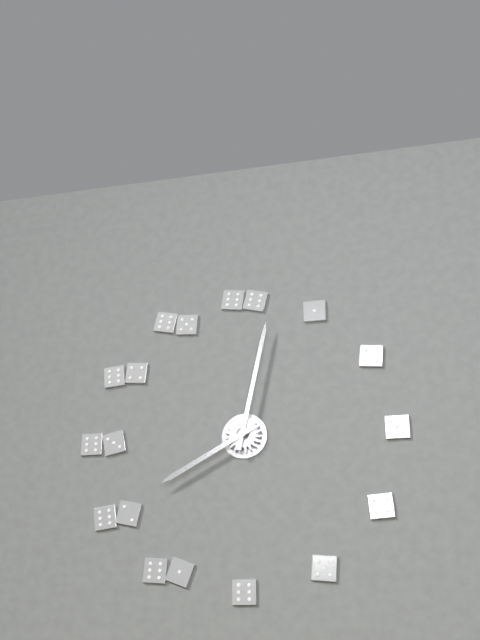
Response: **8:02**
